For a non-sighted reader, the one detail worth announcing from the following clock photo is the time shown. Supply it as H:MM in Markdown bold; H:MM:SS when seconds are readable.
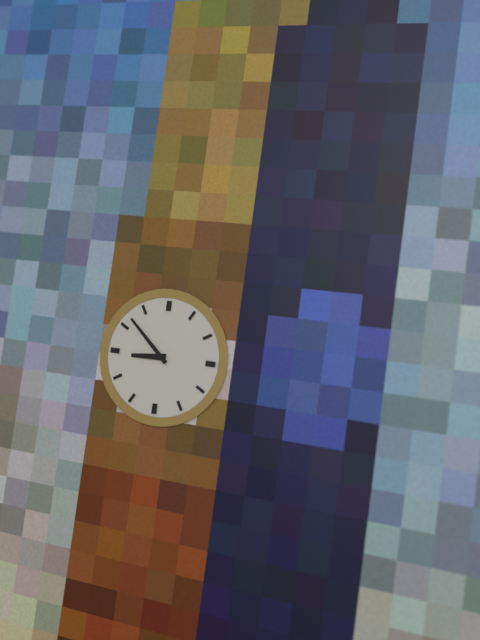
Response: **8:52**
